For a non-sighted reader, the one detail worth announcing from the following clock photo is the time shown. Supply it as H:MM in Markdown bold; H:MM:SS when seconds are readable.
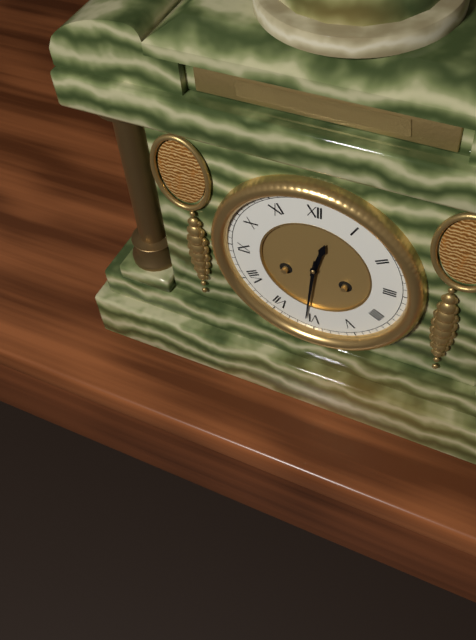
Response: **12:31**
